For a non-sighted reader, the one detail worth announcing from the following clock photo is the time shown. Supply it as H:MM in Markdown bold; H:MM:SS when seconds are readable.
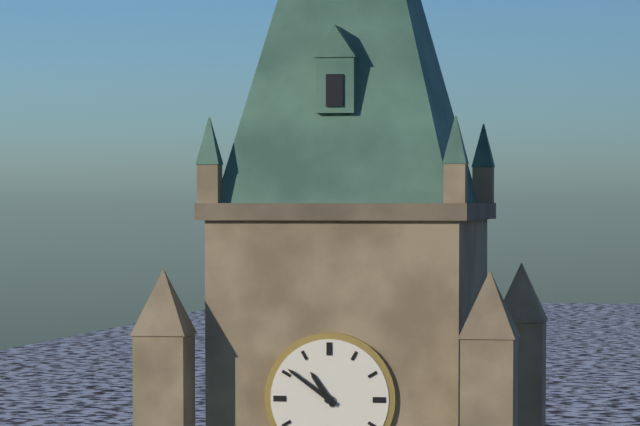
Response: **10:51**
